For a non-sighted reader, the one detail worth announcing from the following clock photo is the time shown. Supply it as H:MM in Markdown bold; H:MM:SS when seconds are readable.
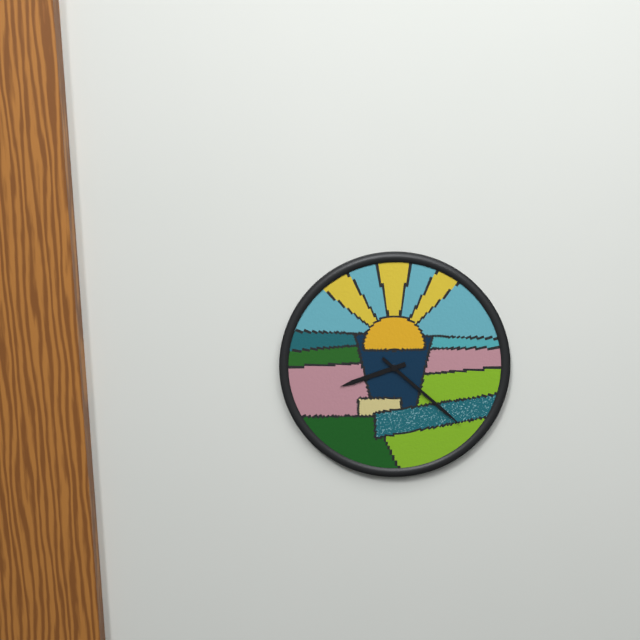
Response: **8:22**
